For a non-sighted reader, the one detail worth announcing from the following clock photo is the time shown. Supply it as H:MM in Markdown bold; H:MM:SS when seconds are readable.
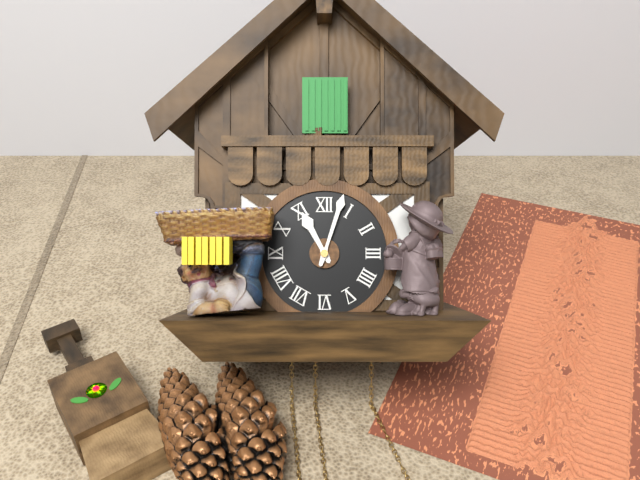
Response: **11:03**
